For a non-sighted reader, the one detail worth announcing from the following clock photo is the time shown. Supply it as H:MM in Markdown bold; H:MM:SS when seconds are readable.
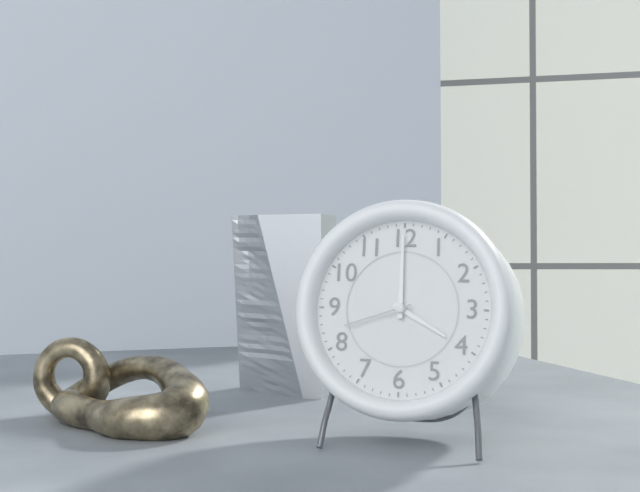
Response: **4:00:42**
